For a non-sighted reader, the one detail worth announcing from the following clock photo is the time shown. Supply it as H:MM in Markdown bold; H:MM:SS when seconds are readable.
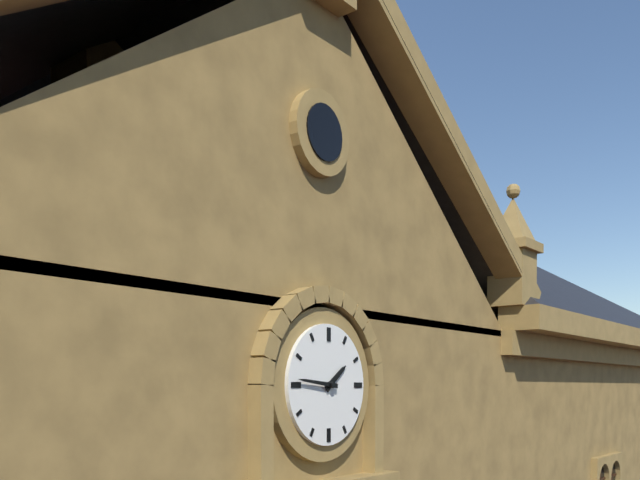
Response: **1:46**
